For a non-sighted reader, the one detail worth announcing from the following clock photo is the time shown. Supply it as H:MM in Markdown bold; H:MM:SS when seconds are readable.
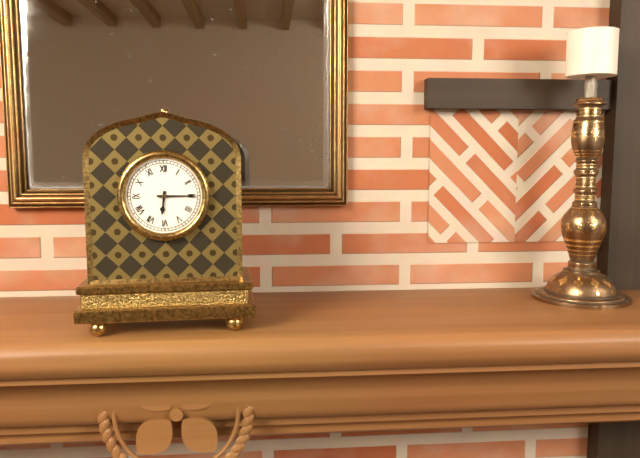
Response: **6:15**
